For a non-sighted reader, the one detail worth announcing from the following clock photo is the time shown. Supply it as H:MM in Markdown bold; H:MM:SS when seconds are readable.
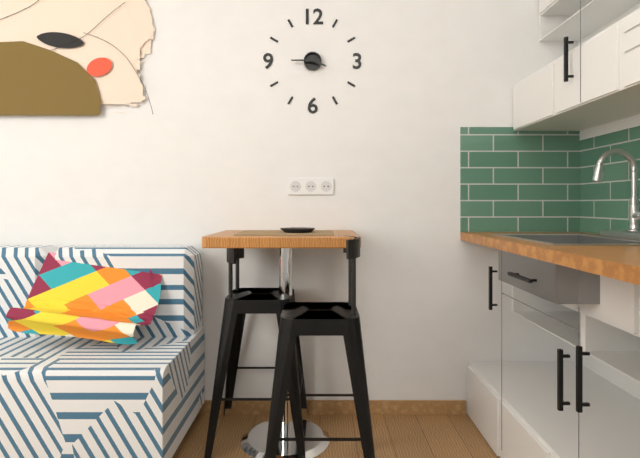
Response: **3:45**
